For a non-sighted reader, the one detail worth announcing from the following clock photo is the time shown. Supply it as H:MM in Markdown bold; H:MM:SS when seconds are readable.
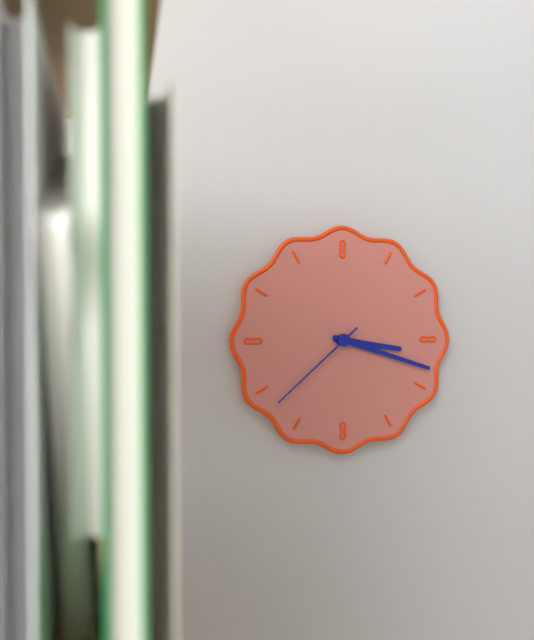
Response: **3:18:38**
